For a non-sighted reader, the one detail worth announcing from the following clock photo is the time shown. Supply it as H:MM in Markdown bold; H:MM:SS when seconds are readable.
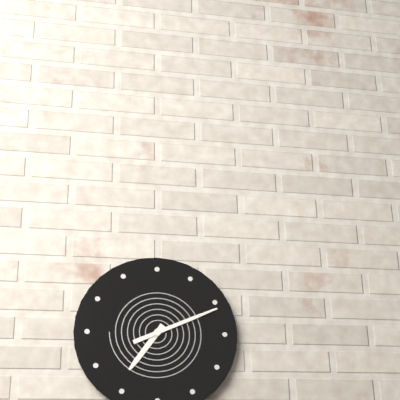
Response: **7:11**
